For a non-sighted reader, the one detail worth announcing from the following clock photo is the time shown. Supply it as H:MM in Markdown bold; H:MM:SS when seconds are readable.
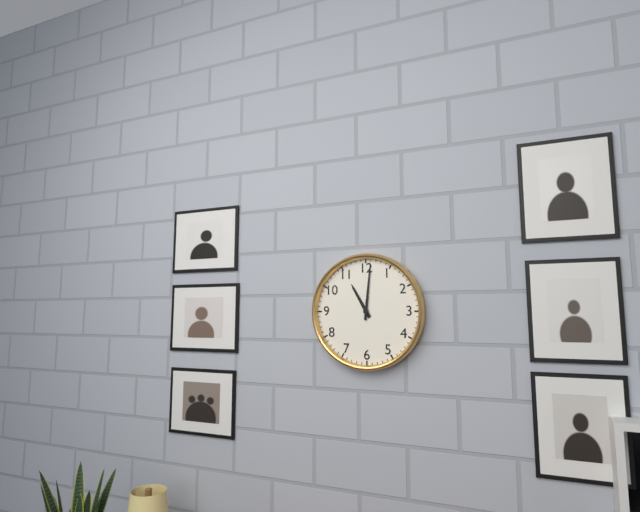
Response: **11:01**
